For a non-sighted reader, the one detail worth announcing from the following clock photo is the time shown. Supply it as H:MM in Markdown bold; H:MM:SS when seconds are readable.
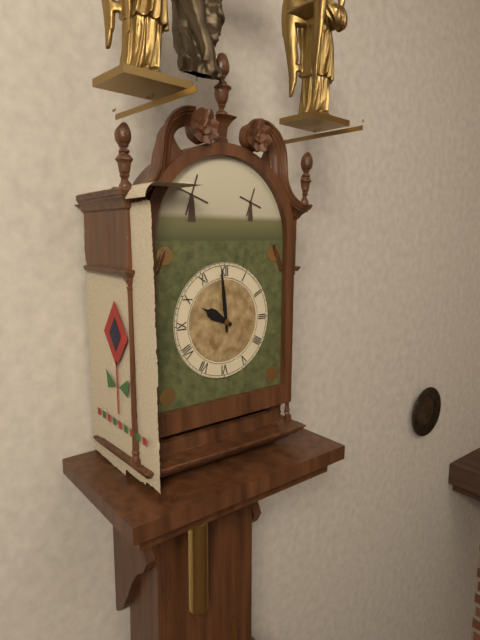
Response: **9:59**
